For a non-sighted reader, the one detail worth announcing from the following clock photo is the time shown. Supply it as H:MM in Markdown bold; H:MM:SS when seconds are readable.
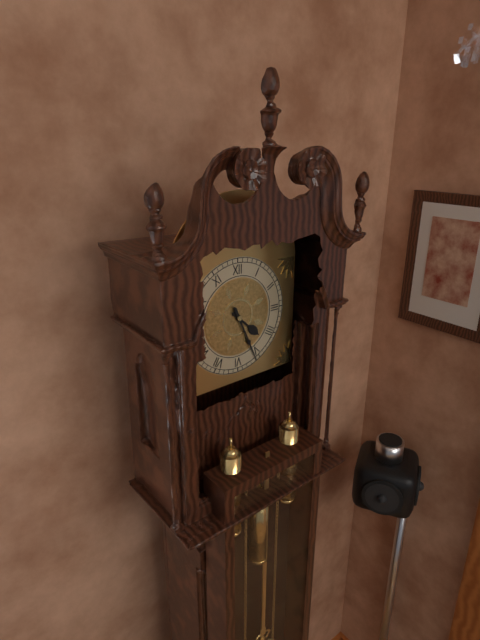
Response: **4:26**
